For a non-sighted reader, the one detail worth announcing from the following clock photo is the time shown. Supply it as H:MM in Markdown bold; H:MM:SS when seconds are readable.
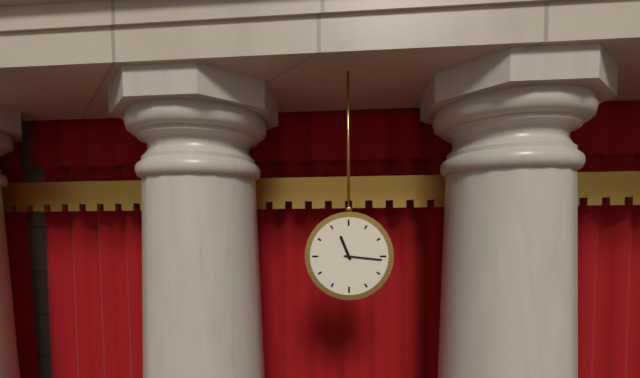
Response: **11:16**
